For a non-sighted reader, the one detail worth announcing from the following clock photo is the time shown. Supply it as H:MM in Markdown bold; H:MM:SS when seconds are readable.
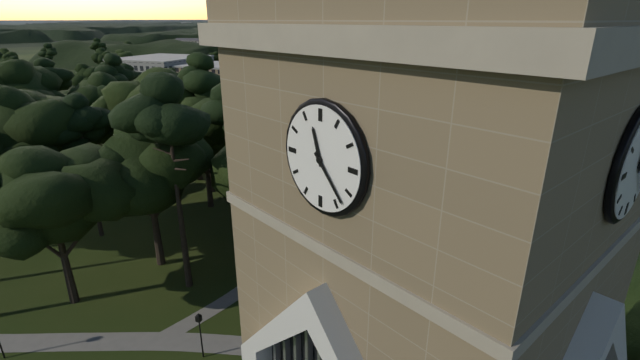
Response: **11:23**
